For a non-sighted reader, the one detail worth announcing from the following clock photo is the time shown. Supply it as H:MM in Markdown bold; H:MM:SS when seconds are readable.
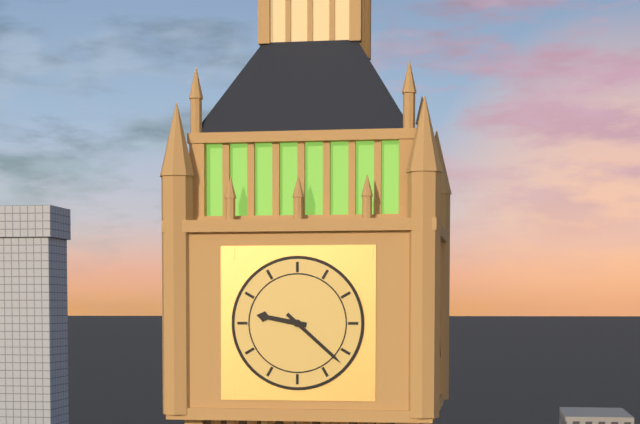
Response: **9:22**
